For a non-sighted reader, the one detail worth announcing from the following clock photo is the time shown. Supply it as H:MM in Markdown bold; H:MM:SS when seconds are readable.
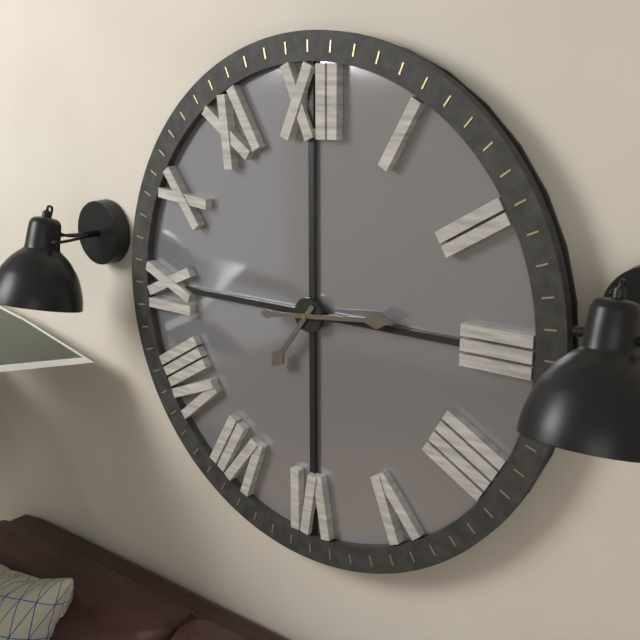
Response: **7:14**
